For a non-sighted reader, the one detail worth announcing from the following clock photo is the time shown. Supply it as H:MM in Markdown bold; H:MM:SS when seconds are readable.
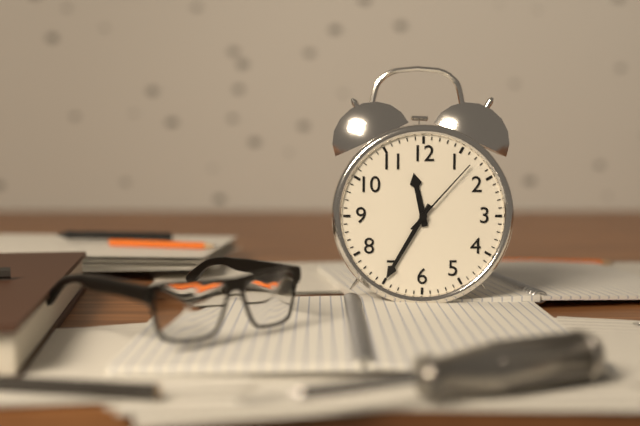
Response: **11:35:07**
